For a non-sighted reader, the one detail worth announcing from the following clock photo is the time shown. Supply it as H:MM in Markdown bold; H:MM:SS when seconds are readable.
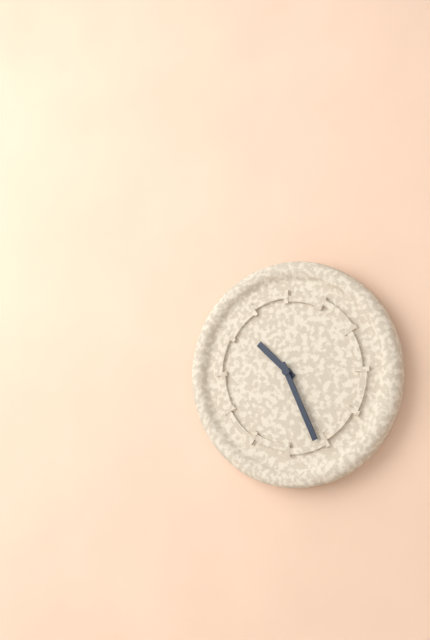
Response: **10:26**
